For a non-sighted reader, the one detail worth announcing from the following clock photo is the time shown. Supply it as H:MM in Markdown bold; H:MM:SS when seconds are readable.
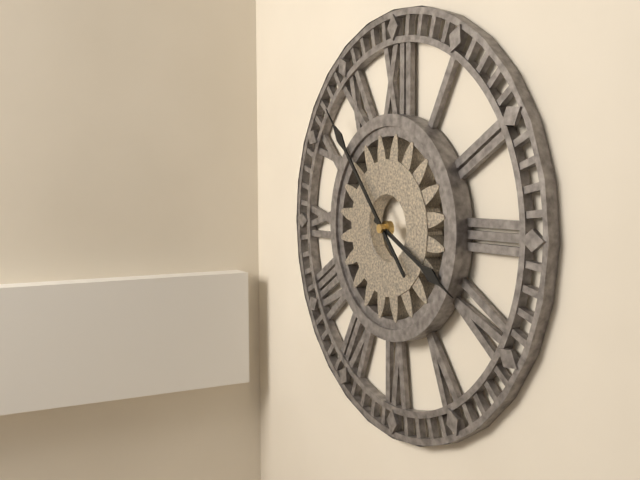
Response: **3:53**
